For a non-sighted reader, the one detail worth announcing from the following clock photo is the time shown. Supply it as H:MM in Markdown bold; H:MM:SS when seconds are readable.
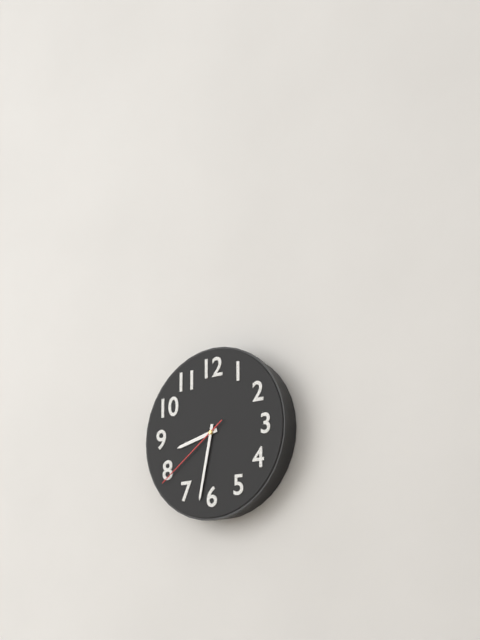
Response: **8:32:39**
